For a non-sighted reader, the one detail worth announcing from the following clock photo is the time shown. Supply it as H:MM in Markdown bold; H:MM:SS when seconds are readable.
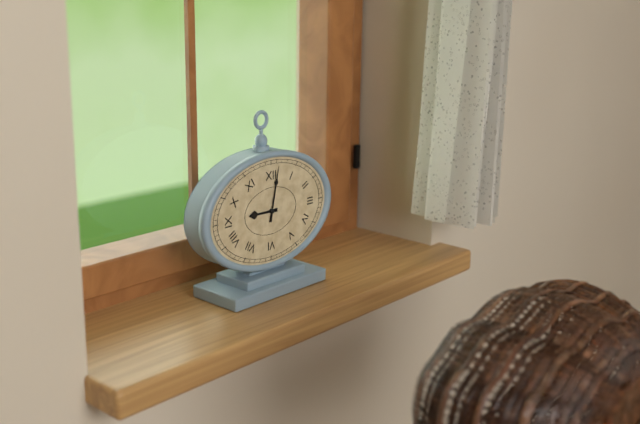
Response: **9:02**
